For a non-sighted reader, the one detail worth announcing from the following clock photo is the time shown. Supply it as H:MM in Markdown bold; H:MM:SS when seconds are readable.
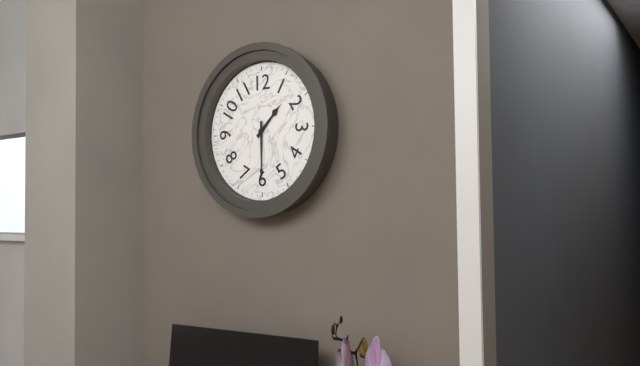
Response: **1:30**
